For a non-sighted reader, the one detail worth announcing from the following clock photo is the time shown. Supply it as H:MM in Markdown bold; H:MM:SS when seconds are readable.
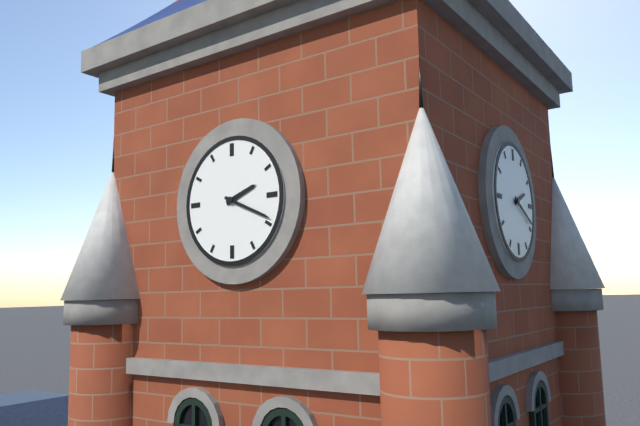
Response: **2:19**
